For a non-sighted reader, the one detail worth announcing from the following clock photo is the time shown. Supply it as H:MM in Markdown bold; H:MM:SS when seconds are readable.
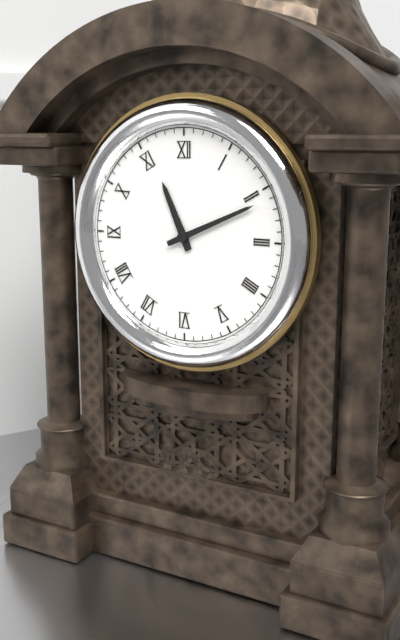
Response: **11:11**
